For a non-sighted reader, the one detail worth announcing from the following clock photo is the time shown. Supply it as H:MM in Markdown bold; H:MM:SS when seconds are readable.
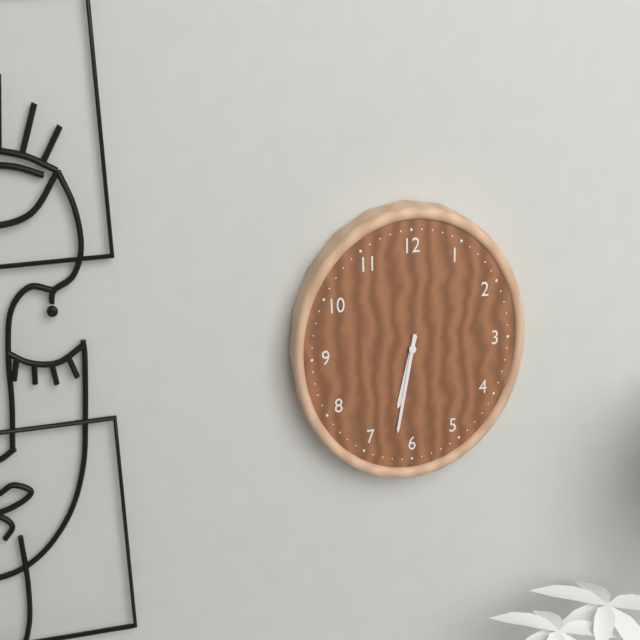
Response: **6:32**
